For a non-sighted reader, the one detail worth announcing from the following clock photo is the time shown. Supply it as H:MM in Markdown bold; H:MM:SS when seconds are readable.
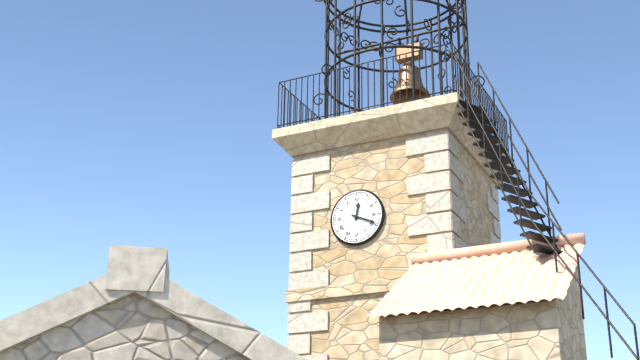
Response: **12:19**
